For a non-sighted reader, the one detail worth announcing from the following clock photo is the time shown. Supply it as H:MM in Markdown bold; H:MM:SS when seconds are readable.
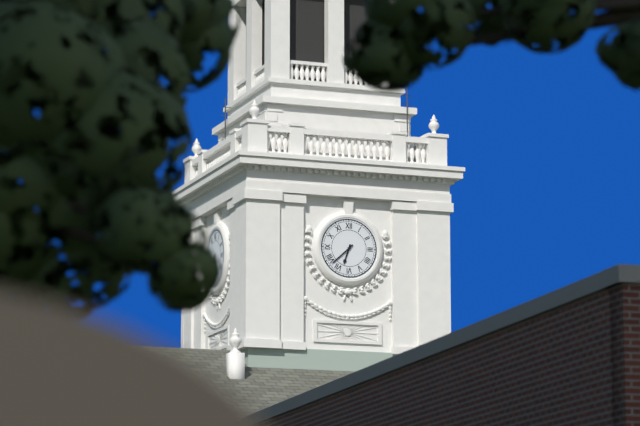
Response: **6:38**
